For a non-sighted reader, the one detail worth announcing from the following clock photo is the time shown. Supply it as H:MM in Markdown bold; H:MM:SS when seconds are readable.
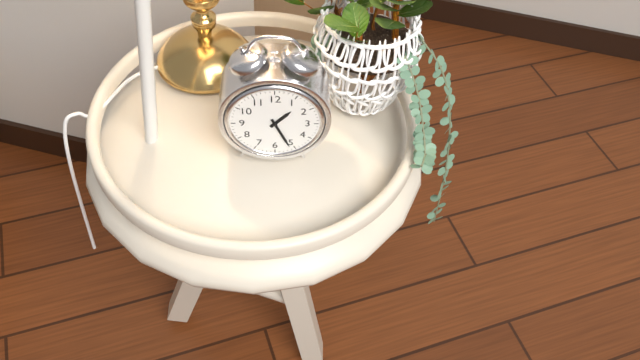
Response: **1:26**
